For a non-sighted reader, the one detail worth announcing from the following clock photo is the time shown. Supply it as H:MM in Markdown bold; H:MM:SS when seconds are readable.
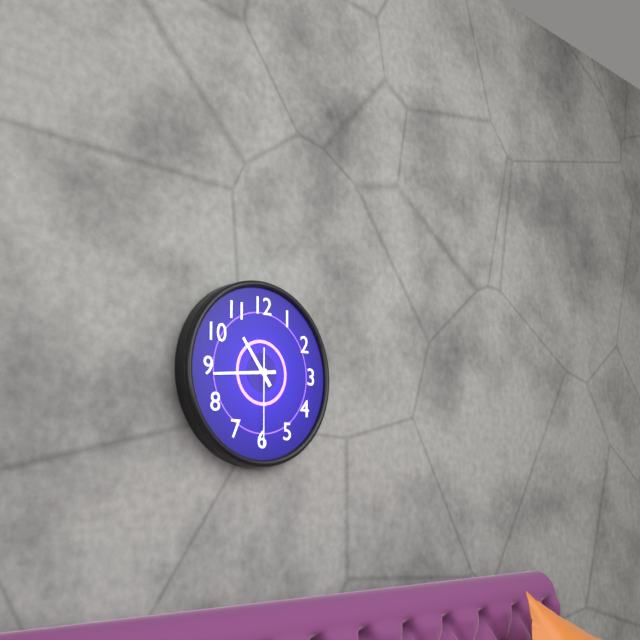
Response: **10:44:30**
